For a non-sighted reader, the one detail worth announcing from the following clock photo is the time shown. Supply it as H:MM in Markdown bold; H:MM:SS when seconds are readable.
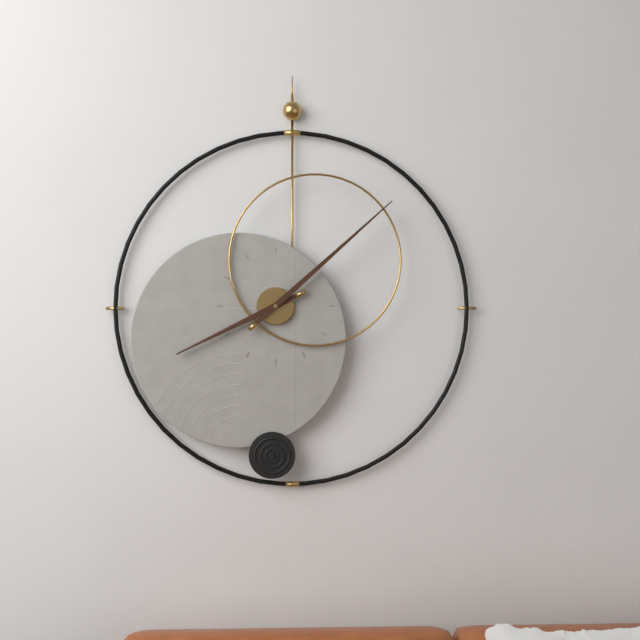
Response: **8:08**
